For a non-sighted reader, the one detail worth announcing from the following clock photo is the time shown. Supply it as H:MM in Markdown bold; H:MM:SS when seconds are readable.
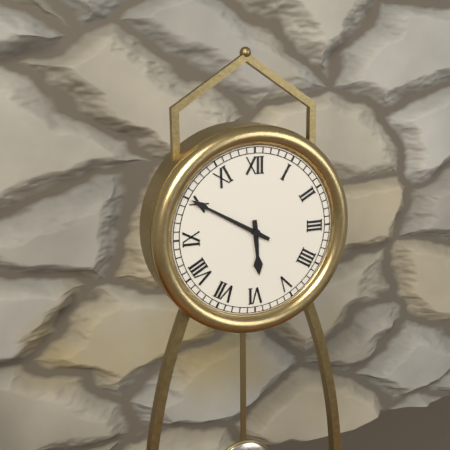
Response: **5:50**
